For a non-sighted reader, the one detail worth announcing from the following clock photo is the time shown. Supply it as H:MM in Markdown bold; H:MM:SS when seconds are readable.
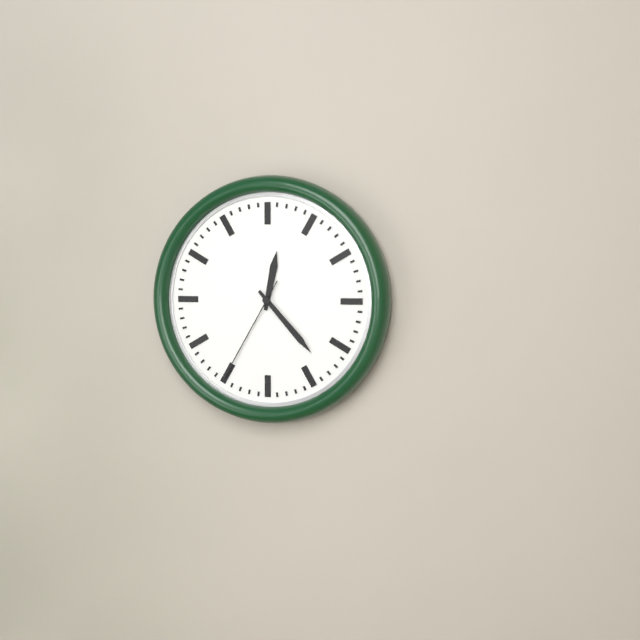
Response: **12:23:35**
